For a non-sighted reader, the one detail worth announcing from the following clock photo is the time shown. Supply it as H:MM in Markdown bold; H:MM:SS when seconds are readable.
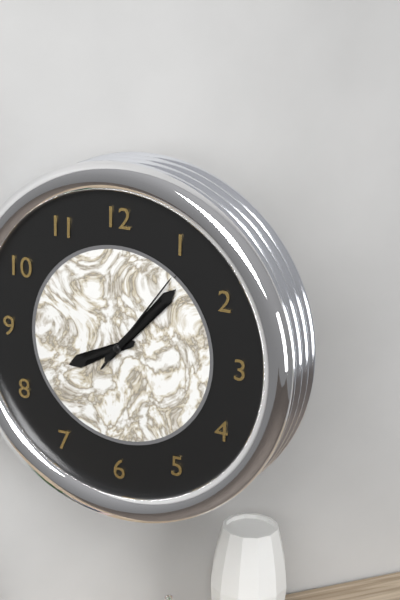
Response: **8:07:06**
